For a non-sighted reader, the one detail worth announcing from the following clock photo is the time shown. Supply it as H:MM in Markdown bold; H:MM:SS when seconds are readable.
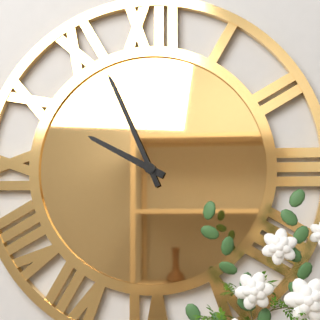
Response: **9:56**
